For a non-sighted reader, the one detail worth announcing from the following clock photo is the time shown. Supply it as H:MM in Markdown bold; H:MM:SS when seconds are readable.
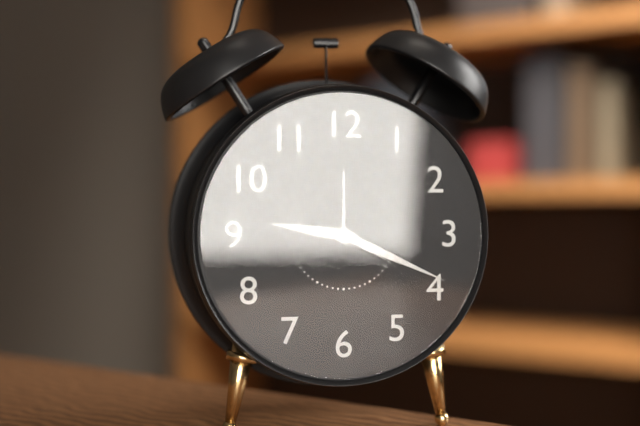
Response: **9:19**
